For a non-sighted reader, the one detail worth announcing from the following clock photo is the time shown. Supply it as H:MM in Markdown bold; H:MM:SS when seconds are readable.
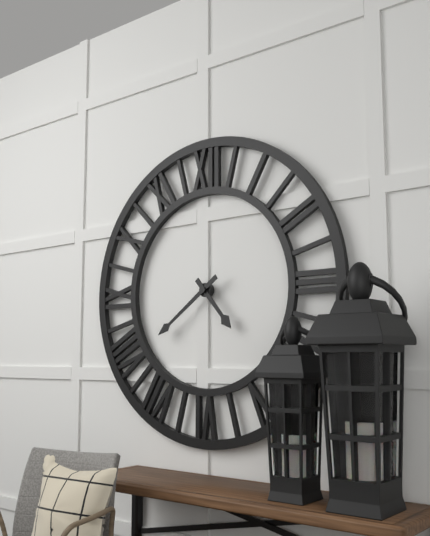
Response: **4:39**
